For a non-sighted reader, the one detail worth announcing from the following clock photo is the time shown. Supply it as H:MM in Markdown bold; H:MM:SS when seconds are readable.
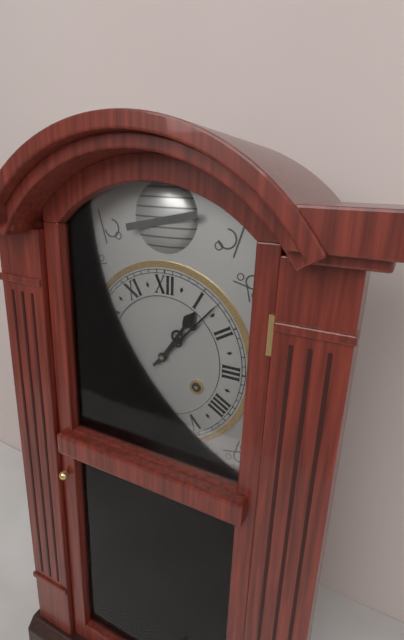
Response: **1:07**
